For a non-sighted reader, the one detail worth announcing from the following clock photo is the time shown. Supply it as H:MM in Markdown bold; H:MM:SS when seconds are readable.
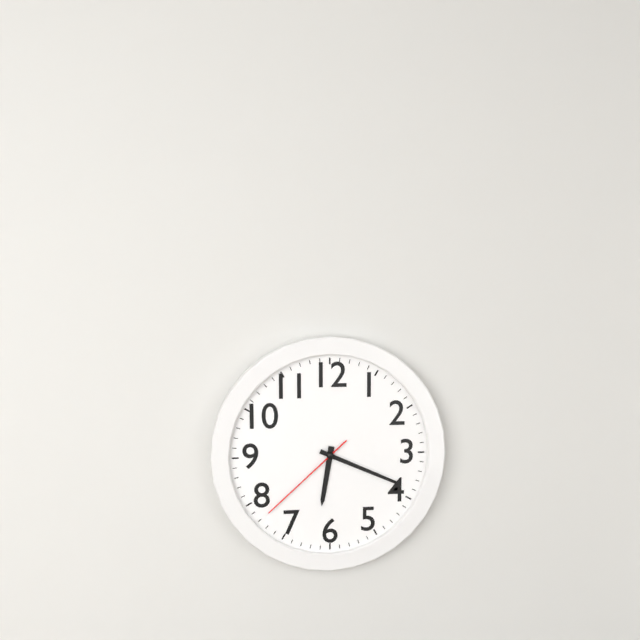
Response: **6:19:38**
